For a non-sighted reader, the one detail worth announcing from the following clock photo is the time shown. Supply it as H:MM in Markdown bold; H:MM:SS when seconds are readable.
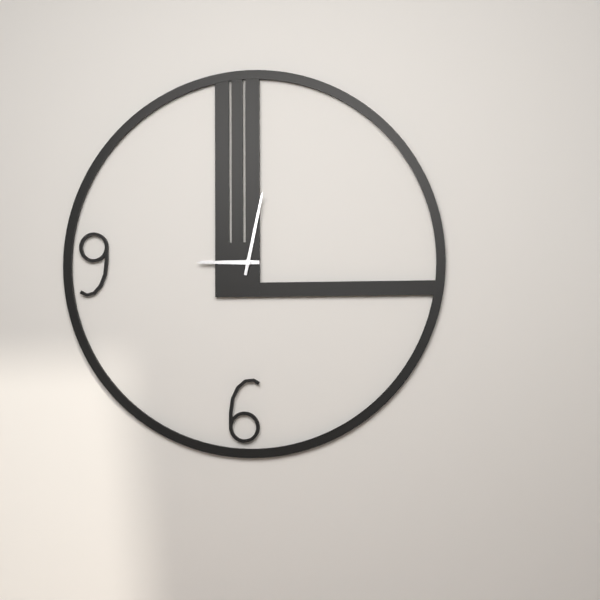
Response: **9:02**
